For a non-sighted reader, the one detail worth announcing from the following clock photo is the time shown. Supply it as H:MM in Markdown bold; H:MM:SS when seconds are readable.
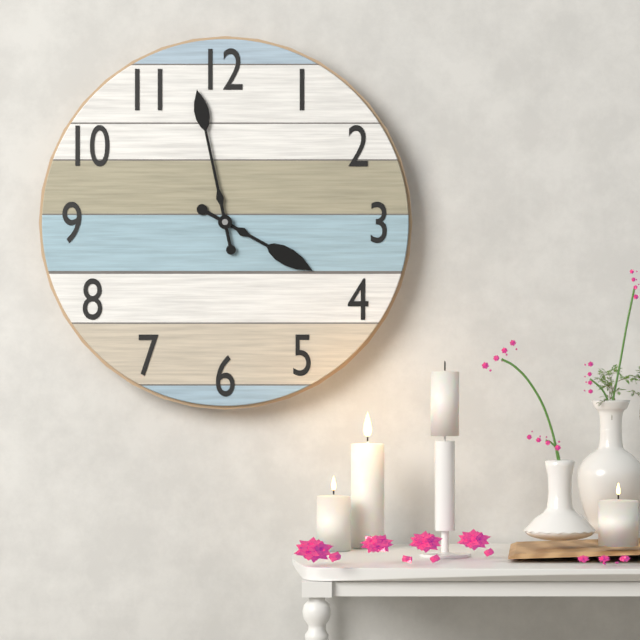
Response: **3:58**
